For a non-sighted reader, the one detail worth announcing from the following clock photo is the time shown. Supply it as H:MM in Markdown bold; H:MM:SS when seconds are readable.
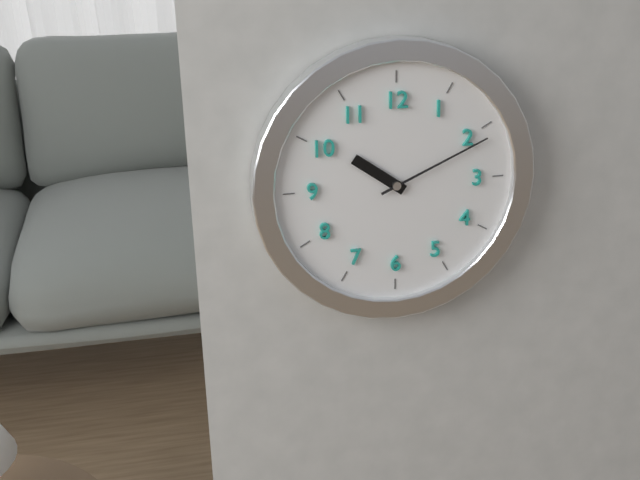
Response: **10:11**
